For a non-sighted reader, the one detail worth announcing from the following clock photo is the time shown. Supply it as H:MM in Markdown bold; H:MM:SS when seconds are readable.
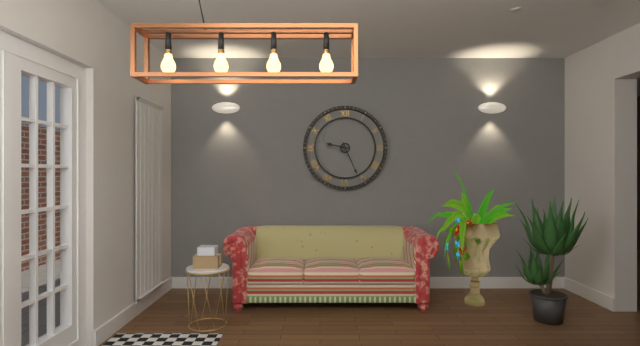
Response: **9:26**
